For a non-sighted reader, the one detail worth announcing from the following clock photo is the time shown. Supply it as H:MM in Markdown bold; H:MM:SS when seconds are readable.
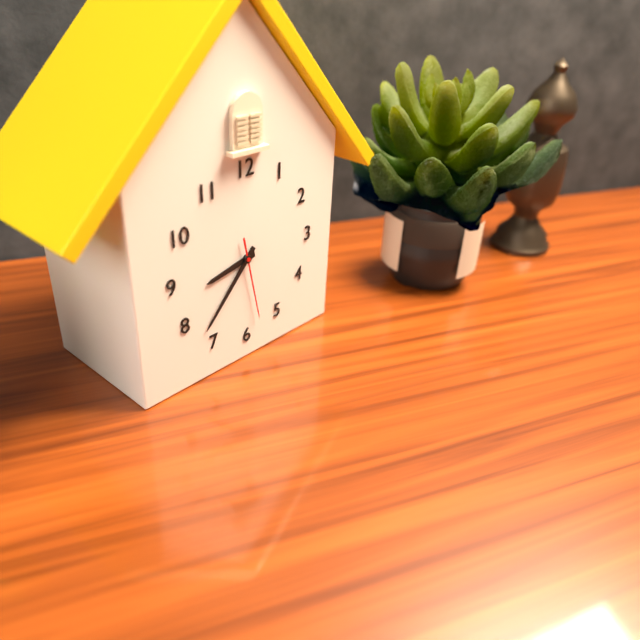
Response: **8:37:28**
